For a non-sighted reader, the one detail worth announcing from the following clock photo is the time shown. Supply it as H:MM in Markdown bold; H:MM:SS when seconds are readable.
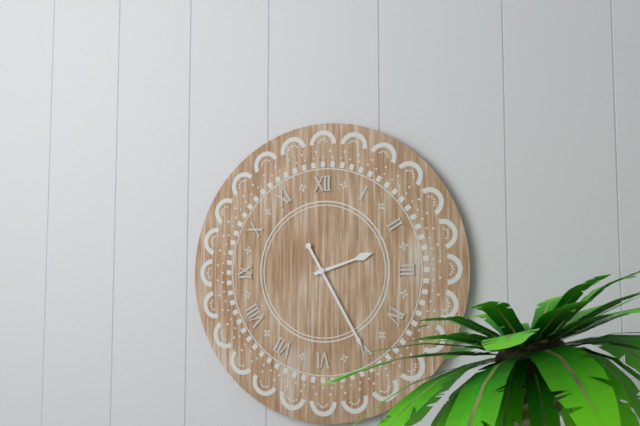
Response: **2:25**
